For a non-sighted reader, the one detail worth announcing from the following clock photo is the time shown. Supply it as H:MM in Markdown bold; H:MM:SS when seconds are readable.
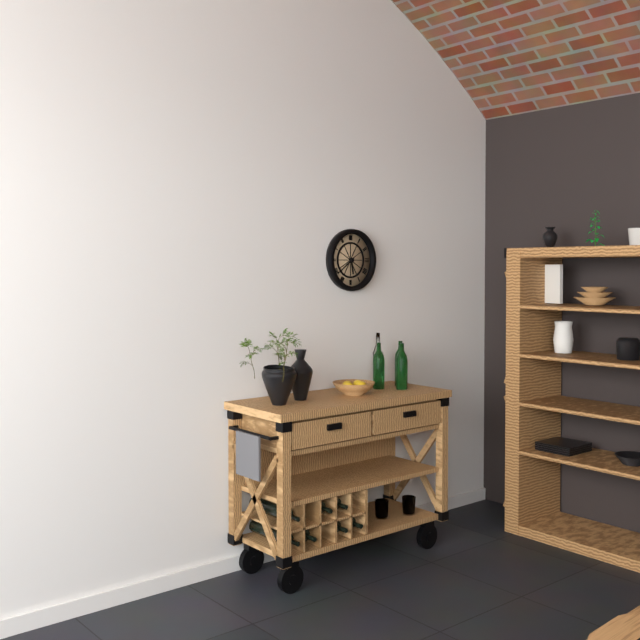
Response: **5:39**
